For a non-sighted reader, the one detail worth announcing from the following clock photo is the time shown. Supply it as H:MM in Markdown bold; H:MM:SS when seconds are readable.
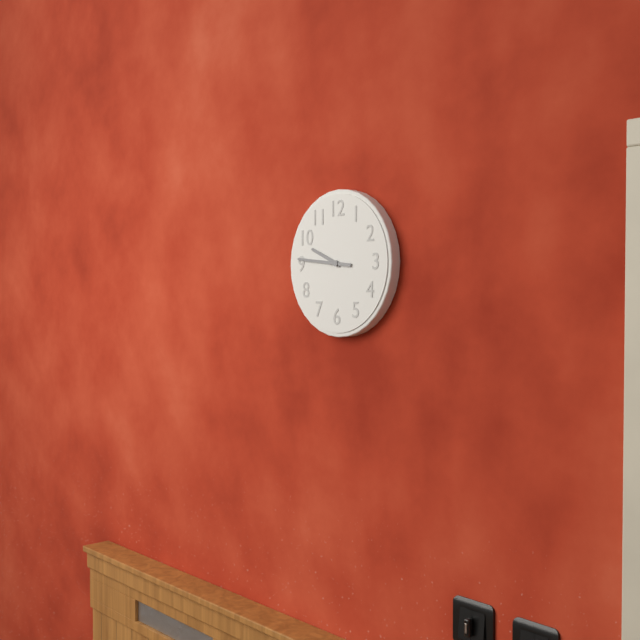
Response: **9:46**
